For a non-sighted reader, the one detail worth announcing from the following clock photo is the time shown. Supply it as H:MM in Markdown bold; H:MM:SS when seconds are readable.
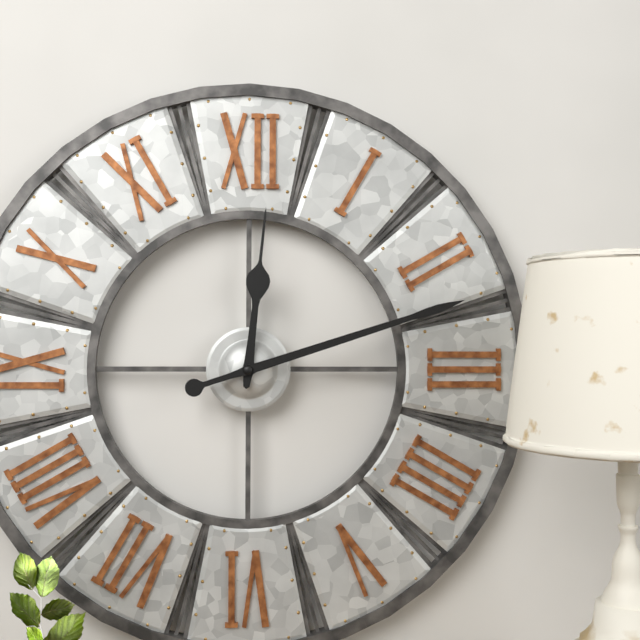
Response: **12:12**
